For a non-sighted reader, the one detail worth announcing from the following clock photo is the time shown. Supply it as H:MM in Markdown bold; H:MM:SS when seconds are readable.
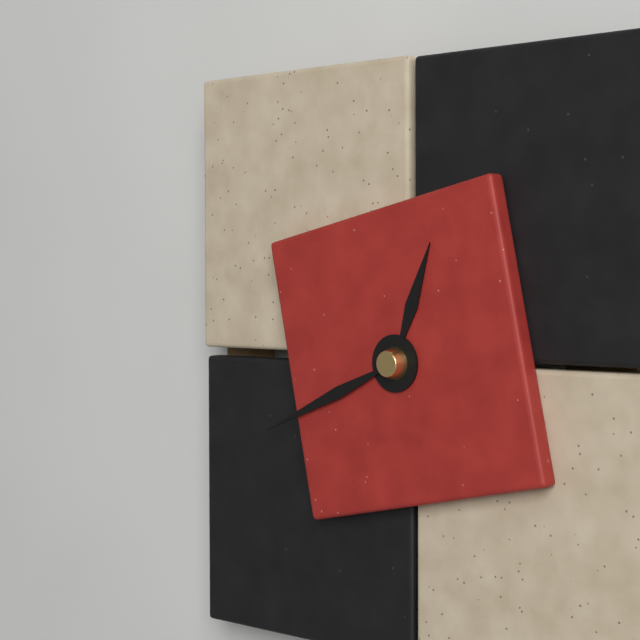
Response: **12:41**
